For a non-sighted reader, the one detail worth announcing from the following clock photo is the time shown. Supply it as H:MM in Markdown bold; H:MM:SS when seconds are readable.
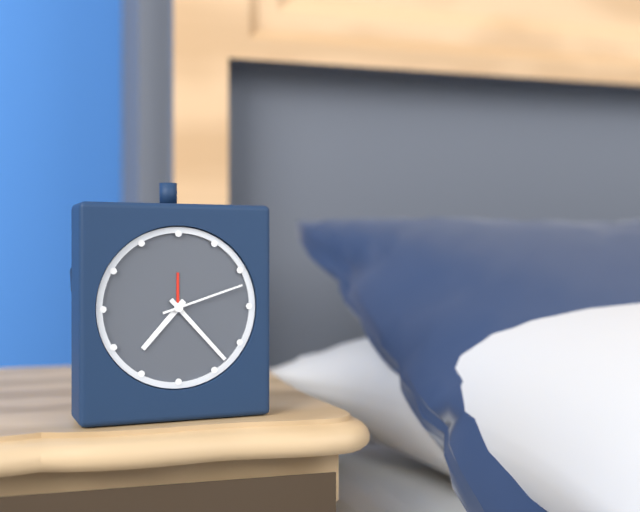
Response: **7:23:12**
